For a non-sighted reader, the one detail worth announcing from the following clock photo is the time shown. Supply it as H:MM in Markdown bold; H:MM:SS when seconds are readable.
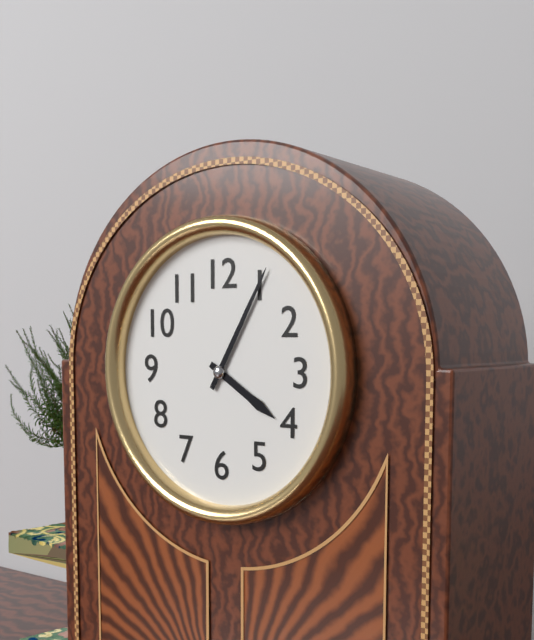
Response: **4:05**
